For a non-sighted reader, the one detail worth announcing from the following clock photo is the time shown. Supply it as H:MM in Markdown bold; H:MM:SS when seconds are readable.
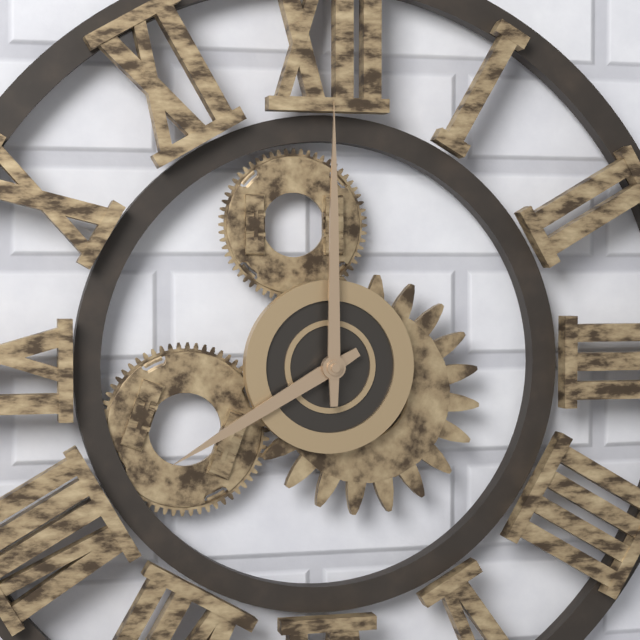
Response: **8:00**
